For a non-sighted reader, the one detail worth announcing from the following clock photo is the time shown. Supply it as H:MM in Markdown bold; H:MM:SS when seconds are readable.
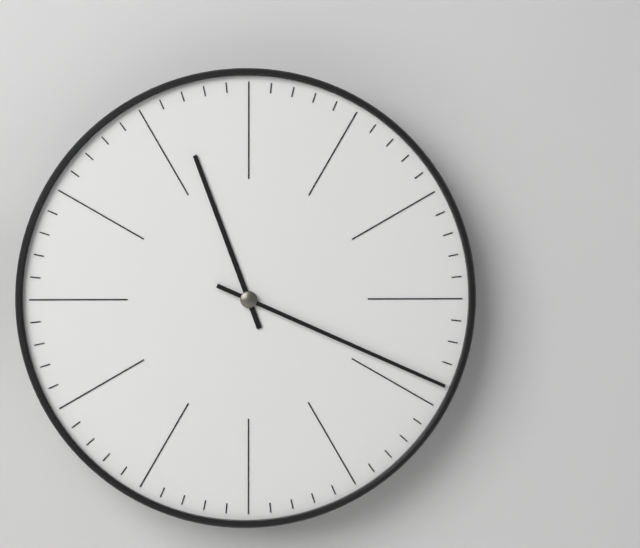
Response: **11:19**
